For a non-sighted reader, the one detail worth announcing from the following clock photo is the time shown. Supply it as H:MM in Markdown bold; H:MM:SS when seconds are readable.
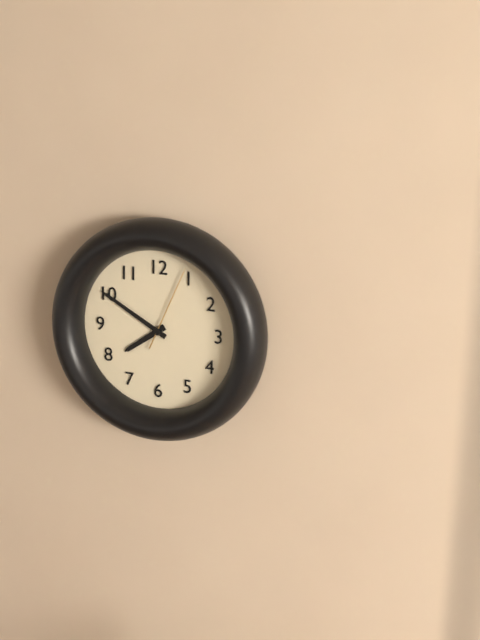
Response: **7:50:04**
